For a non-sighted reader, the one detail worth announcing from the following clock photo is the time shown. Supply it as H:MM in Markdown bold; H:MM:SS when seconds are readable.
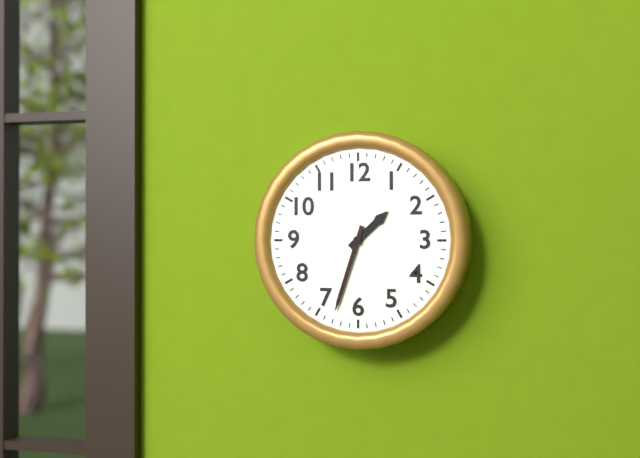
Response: **1:33**
